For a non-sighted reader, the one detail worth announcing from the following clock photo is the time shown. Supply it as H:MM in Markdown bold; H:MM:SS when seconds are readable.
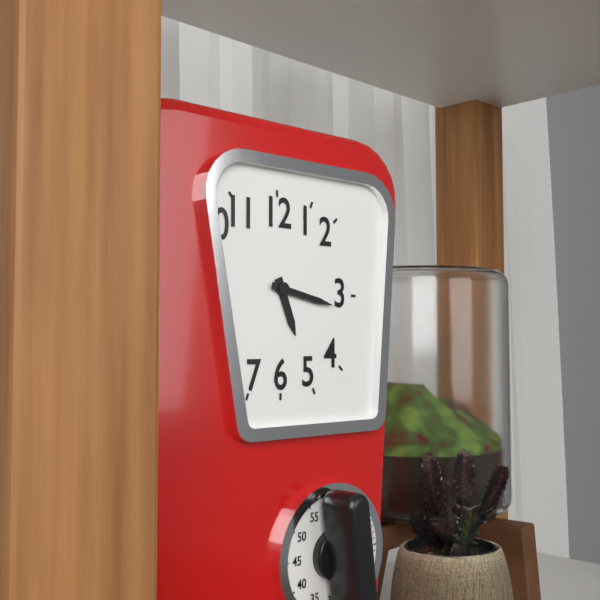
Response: **5:17**
